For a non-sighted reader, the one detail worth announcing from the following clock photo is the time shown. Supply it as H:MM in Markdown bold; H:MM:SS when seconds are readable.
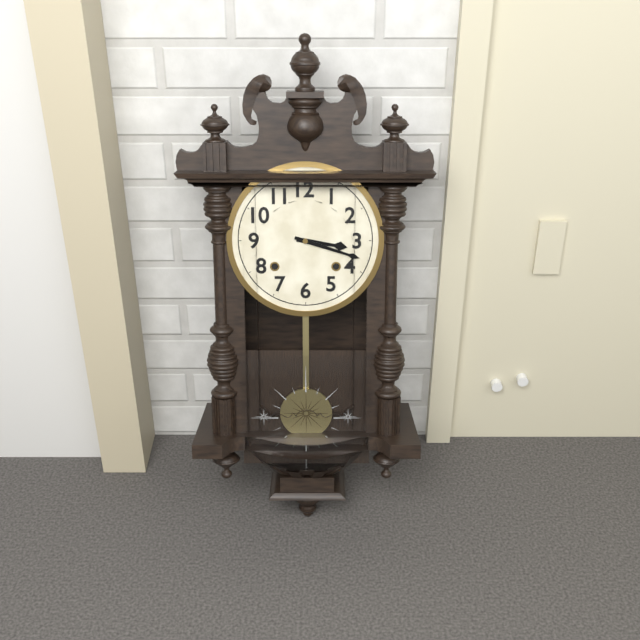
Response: **3:18**
